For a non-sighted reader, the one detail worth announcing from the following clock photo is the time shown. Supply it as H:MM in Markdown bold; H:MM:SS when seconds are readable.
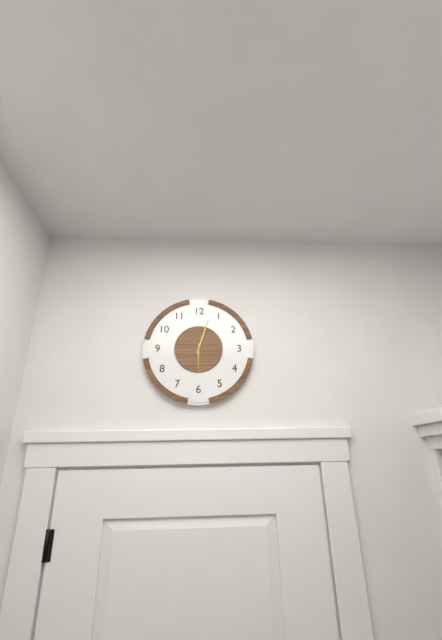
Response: **6:03**
